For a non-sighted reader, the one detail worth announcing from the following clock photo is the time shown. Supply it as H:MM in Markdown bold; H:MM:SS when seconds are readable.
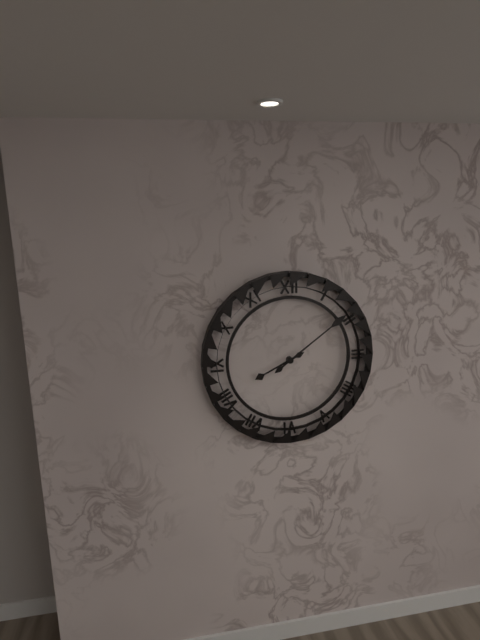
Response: **8:09**
